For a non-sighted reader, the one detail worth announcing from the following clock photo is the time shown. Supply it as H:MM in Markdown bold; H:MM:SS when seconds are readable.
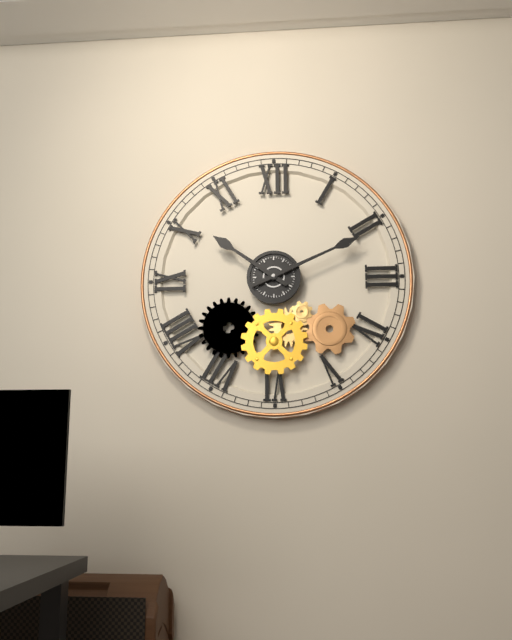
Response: **10:11**
